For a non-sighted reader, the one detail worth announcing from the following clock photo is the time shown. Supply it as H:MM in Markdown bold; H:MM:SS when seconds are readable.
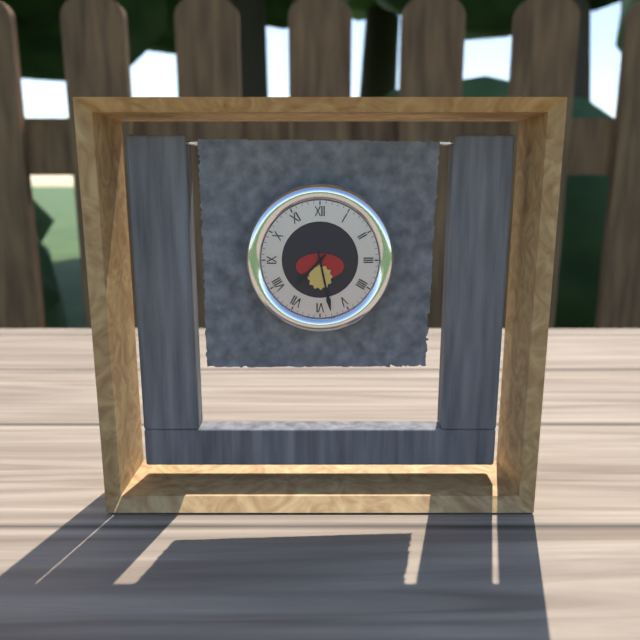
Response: **7:28**
